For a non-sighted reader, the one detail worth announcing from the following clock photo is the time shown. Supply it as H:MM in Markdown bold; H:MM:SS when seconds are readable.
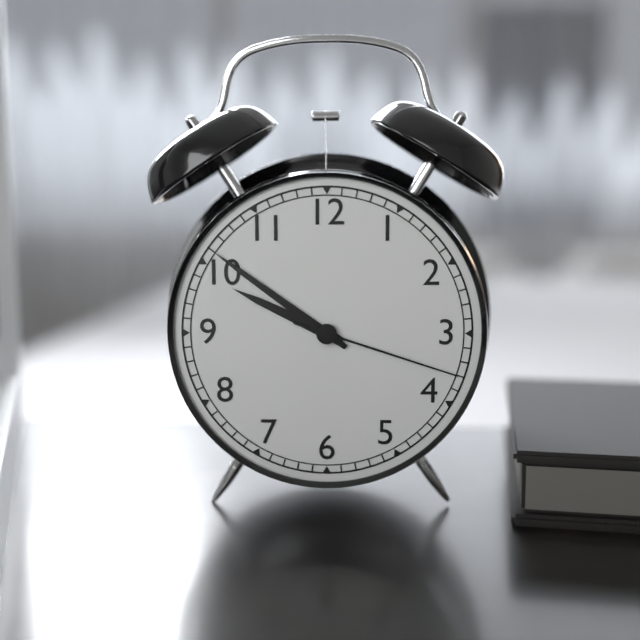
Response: **9:51:18**
